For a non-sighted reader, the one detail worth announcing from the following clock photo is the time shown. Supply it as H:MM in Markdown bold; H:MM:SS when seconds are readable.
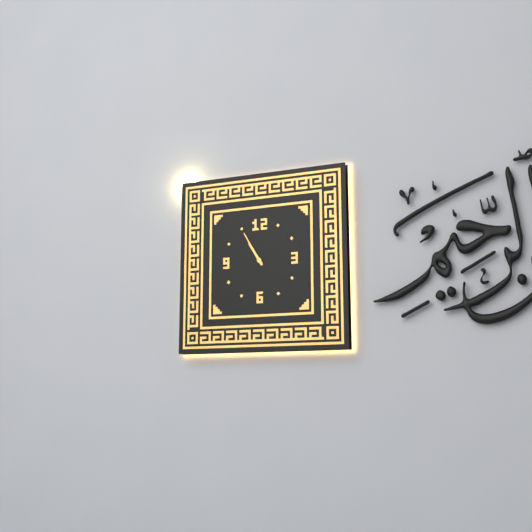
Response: **10:55**
